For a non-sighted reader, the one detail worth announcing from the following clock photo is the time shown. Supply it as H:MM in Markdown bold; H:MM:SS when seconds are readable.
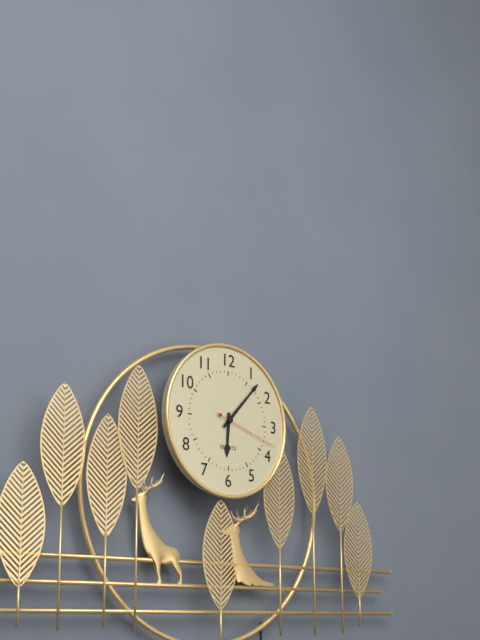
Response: **6:07:18**
